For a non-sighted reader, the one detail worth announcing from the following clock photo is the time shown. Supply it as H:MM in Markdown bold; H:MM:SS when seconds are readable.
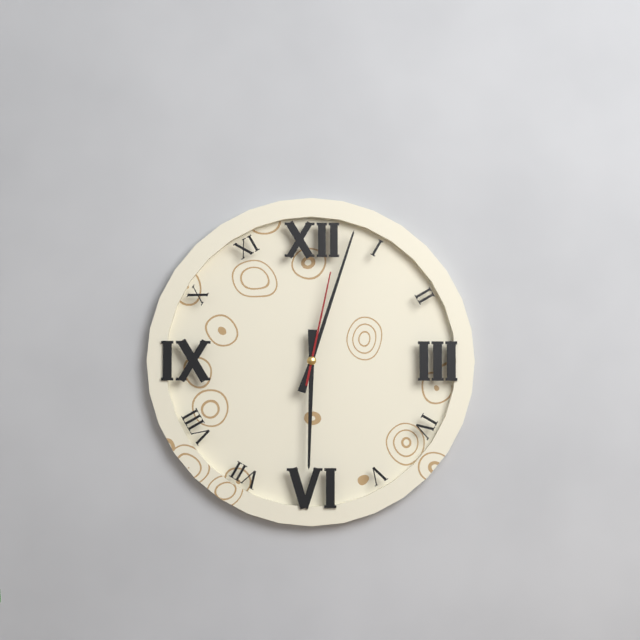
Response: **6:03:02**
